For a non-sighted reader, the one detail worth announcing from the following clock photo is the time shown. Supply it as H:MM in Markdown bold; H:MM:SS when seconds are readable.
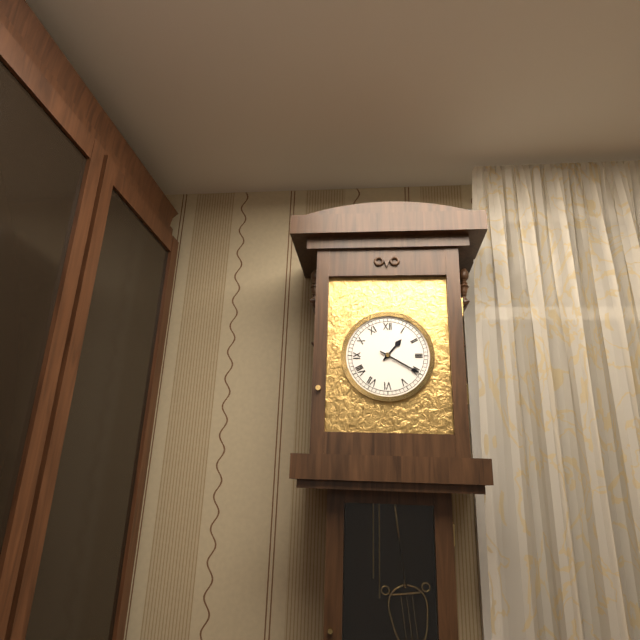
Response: **1:20**
